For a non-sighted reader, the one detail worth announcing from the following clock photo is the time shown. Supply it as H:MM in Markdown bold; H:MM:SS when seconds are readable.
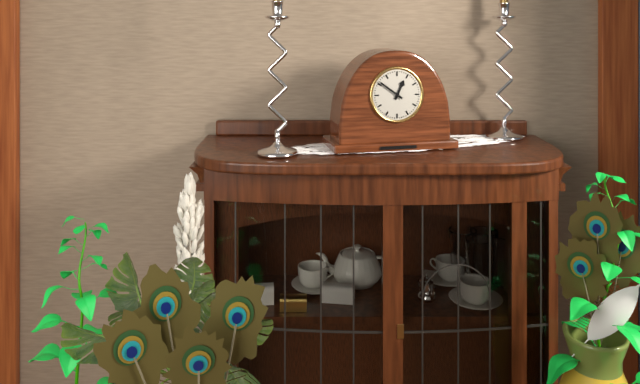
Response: **12:51**
